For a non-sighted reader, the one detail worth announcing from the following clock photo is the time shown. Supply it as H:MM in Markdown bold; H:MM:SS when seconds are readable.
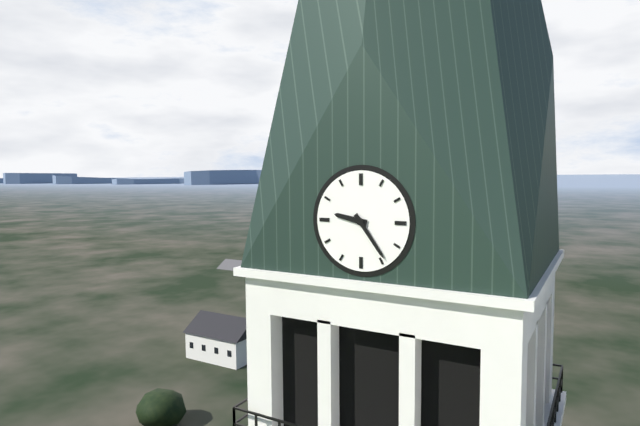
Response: **9:24**
